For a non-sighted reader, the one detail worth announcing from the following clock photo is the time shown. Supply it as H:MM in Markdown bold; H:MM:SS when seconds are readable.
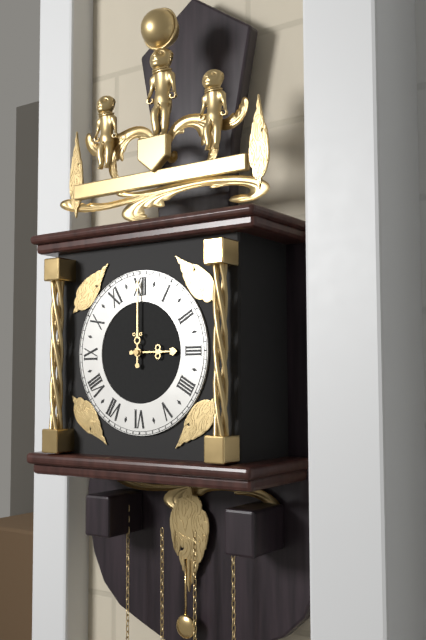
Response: **3:00**
